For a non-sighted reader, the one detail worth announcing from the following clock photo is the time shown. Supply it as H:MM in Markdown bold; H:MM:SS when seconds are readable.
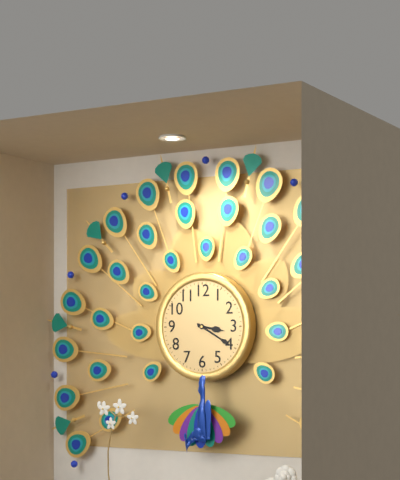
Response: **3:20**
